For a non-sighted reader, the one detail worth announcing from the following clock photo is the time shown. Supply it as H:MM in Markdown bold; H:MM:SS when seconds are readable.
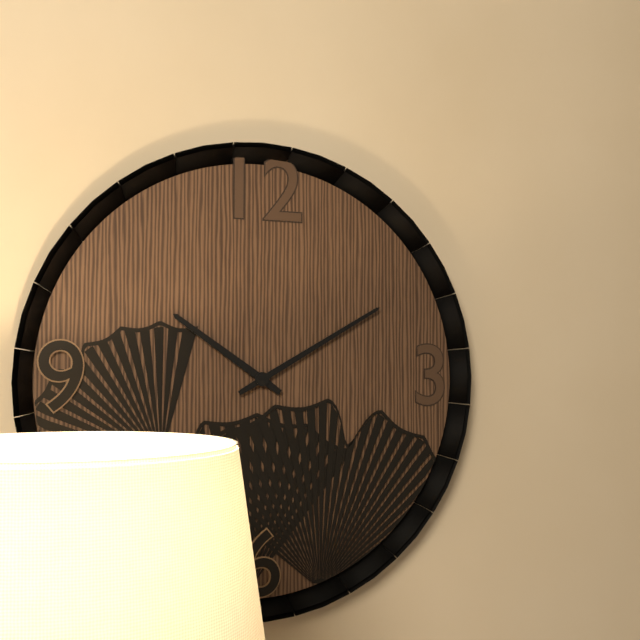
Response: **10:10**
